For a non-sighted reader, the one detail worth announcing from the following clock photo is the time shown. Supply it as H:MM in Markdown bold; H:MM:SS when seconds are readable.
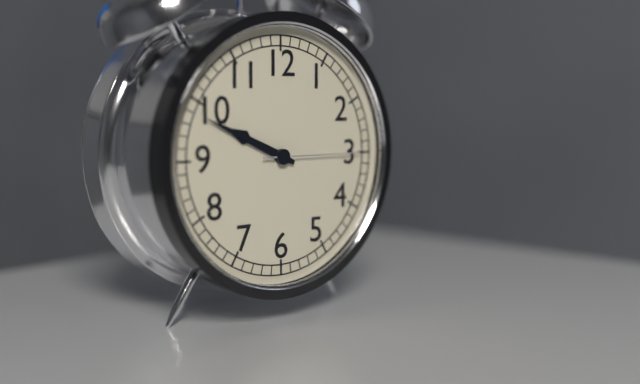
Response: **9:49:15**
